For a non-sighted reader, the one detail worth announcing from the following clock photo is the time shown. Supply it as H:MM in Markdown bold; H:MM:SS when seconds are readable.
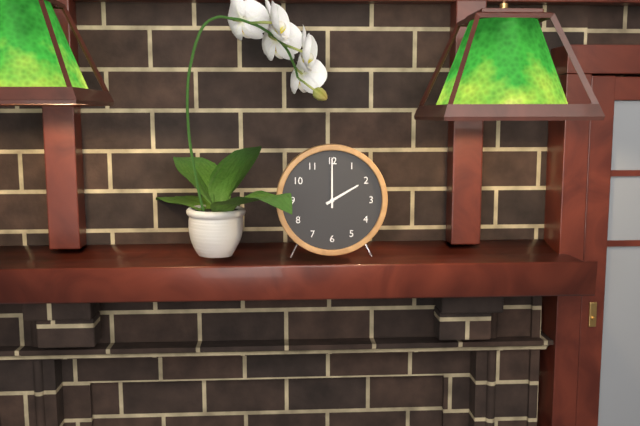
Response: **2:00**
